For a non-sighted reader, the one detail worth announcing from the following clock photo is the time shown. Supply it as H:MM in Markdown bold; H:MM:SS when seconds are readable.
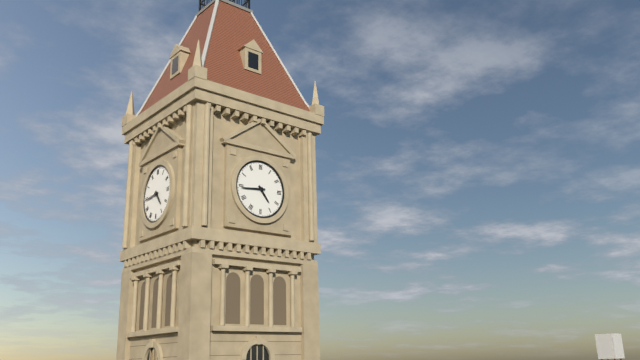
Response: **4:44**
